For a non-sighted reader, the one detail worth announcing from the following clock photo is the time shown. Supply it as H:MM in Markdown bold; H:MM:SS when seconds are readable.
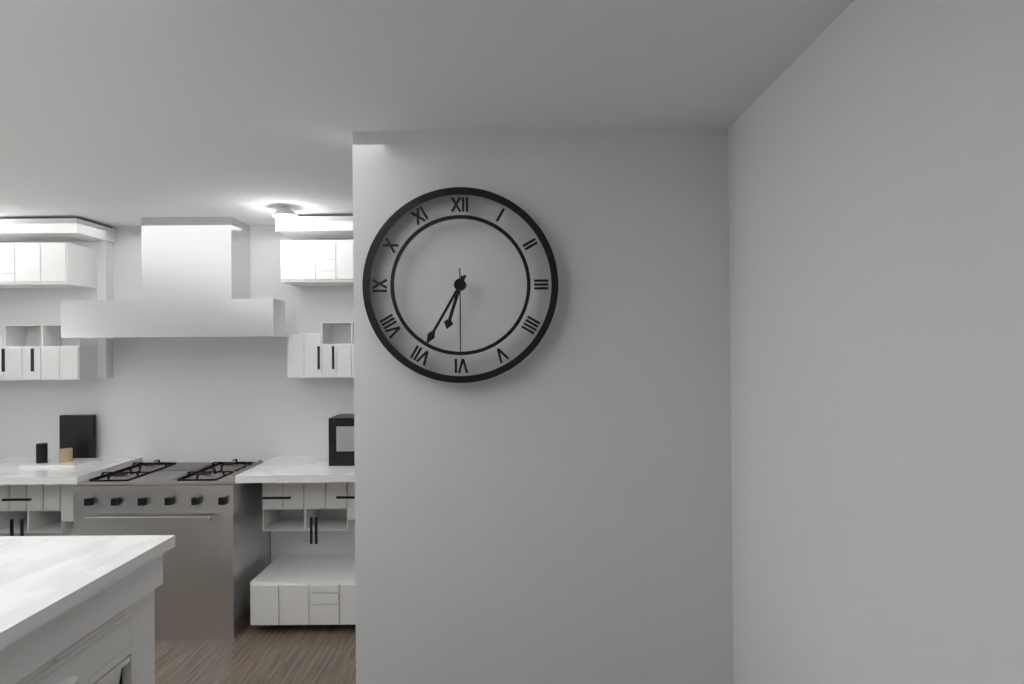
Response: **6:35:30**
